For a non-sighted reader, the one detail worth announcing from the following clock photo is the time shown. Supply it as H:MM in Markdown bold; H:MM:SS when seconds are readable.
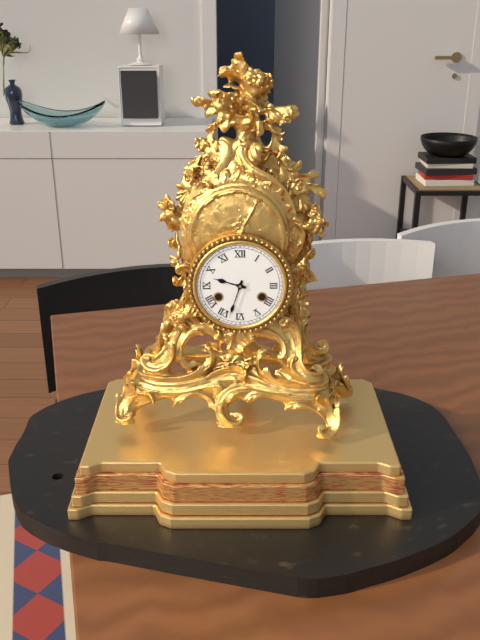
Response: **9:33**
